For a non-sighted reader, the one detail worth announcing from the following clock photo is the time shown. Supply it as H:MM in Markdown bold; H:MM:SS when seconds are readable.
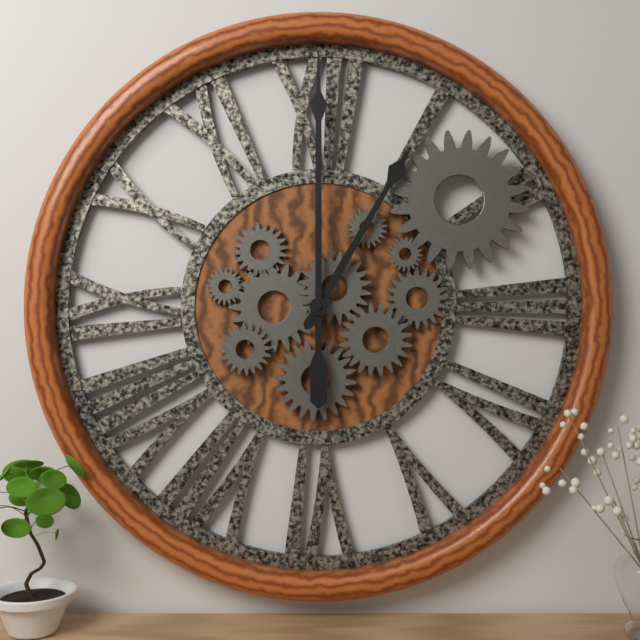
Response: **1:00**
